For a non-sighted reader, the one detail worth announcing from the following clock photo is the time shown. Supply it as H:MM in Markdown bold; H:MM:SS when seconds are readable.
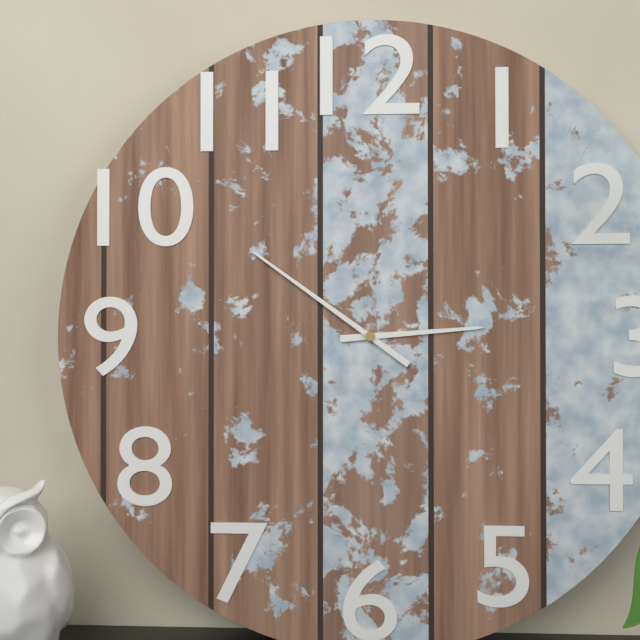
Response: **2:51**
